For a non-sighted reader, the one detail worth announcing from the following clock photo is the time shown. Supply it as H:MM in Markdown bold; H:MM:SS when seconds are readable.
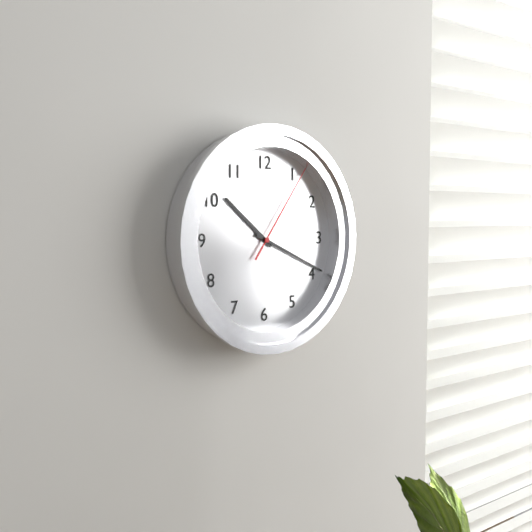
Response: **10:19:06**
